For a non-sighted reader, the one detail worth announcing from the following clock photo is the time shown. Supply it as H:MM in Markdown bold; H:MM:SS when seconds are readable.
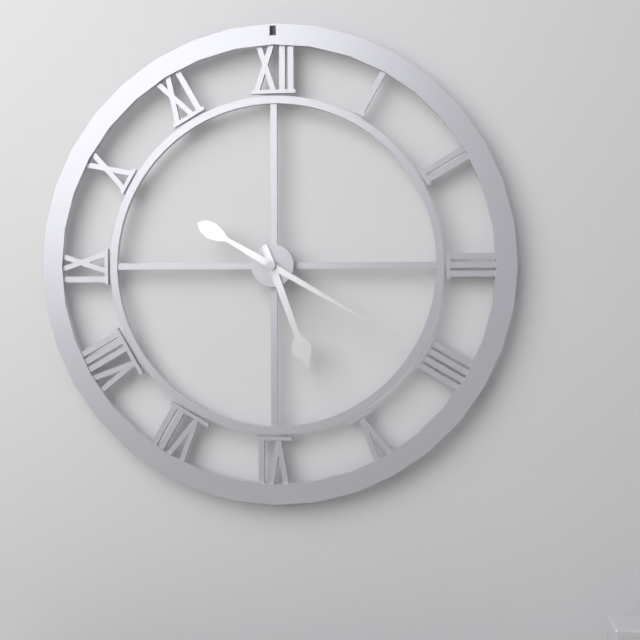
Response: **5:20**
